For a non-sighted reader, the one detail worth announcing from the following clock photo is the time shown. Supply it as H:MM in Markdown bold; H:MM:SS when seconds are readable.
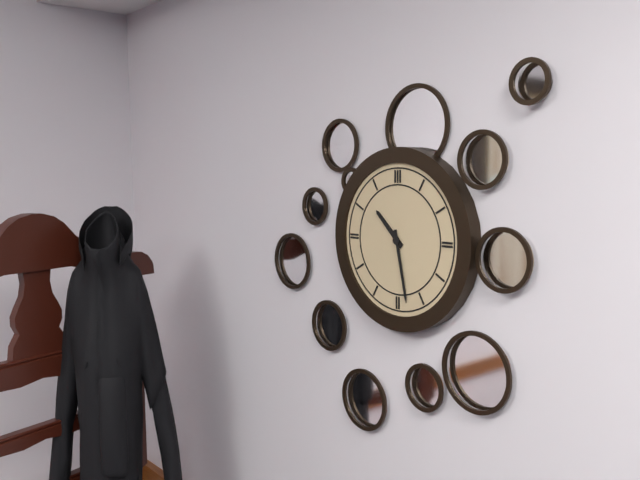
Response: **10:28**
